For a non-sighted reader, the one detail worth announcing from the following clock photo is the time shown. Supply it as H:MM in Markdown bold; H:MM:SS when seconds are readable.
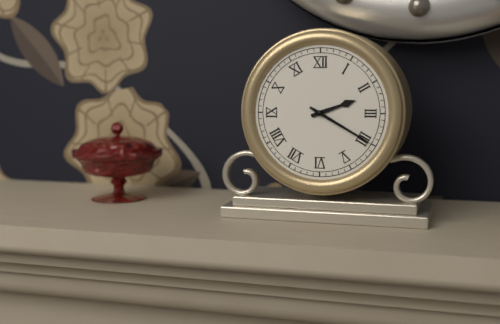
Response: **2:20**
